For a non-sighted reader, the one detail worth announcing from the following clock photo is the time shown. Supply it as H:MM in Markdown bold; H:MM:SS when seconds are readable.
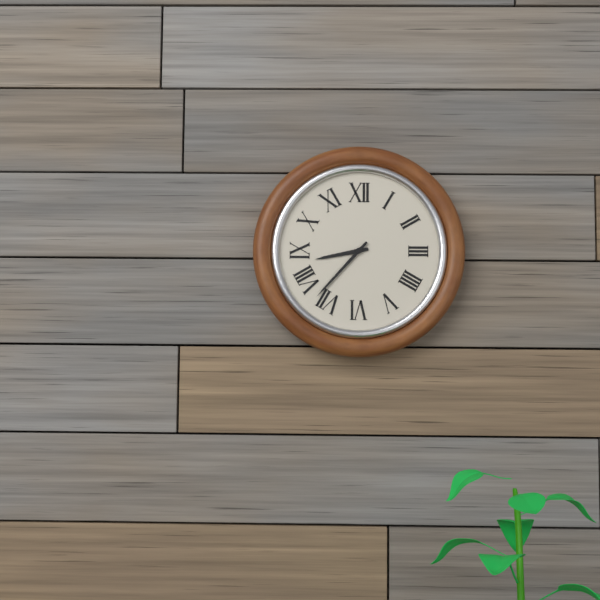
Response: **8:37**
